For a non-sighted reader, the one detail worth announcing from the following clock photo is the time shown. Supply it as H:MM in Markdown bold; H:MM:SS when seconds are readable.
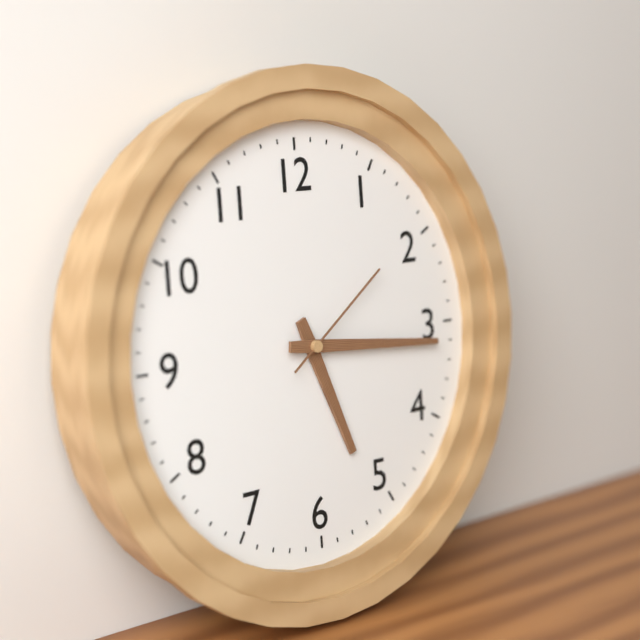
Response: **5:16:09**
